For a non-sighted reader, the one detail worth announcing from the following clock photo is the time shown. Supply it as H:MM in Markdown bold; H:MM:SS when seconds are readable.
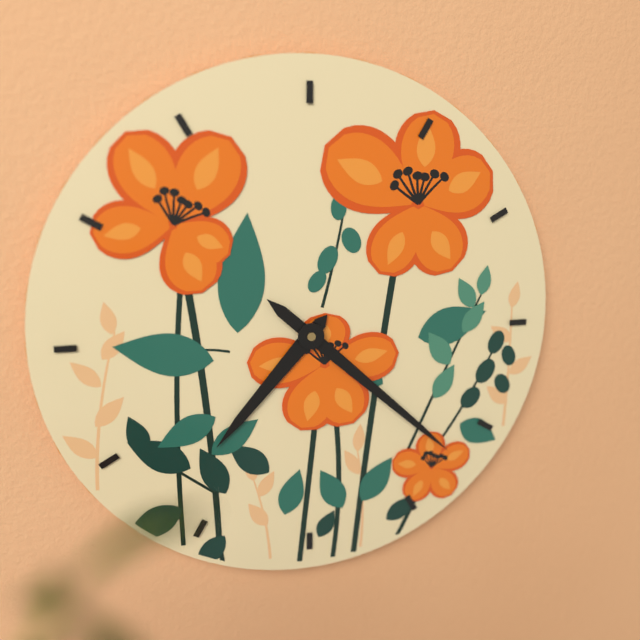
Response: **7:22**
